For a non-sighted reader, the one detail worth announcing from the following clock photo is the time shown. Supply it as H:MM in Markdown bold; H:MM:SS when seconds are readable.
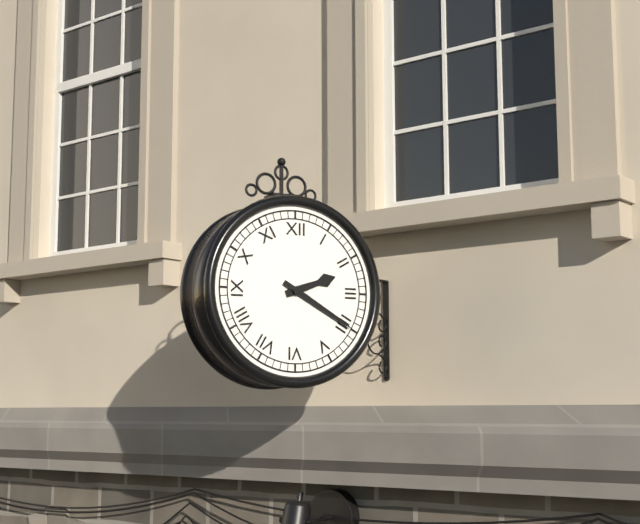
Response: **2:20**
